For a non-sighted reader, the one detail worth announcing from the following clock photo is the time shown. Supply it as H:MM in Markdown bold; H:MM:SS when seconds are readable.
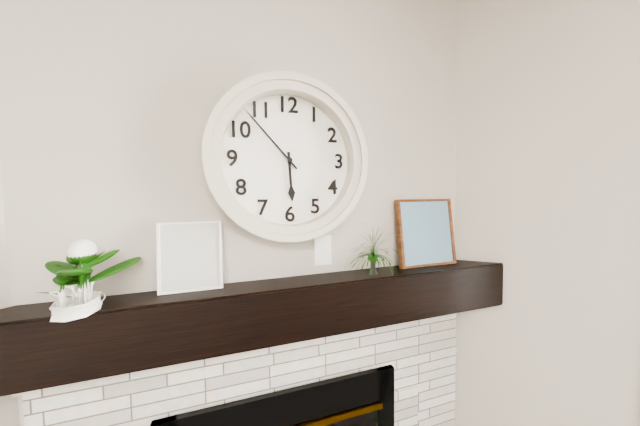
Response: **5:53**
